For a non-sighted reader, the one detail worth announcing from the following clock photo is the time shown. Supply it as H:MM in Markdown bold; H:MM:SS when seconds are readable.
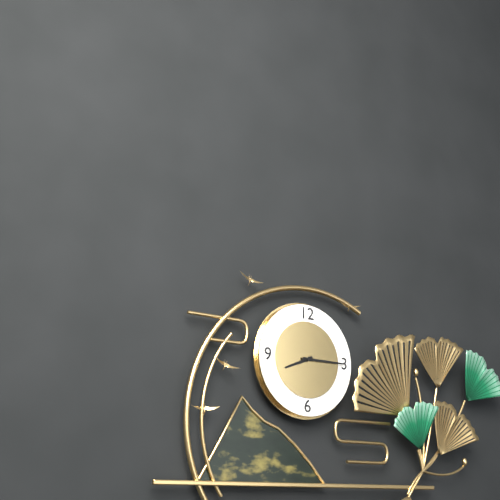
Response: **8:15**
